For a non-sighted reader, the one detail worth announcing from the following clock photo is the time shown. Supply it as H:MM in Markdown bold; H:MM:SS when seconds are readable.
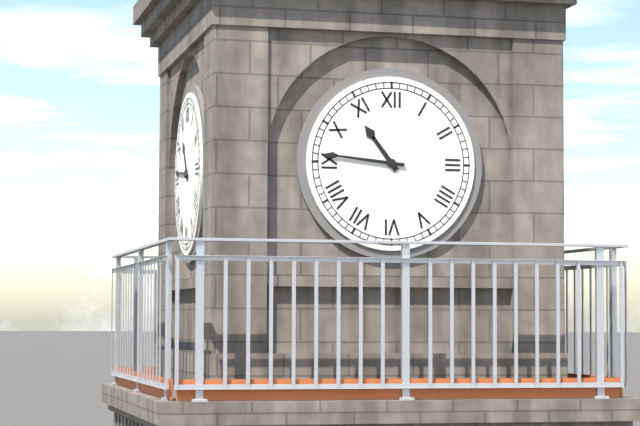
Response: **10:46**
